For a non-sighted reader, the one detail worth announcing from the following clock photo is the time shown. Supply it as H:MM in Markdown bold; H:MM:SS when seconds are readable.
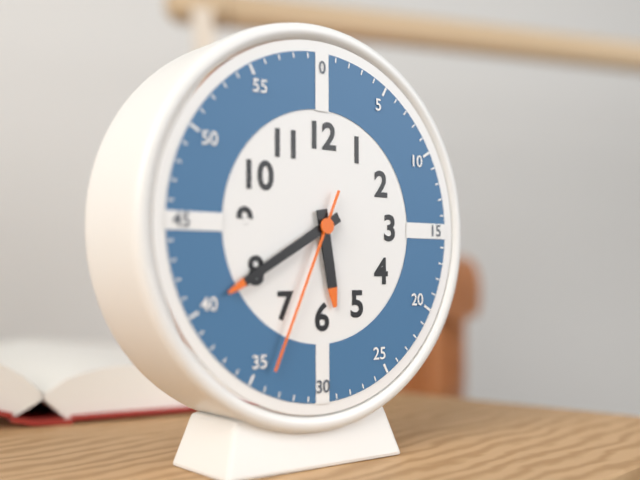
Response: **5:40:34**
